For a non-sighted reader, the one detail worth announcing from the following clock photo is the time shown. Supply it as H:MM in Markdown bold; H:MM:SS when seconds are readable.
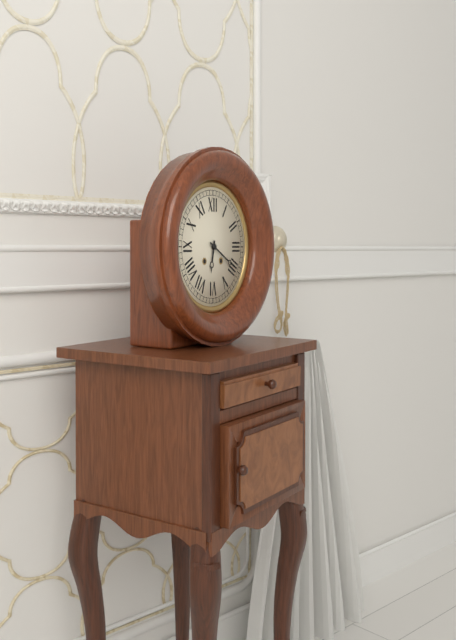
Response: **6:20**
